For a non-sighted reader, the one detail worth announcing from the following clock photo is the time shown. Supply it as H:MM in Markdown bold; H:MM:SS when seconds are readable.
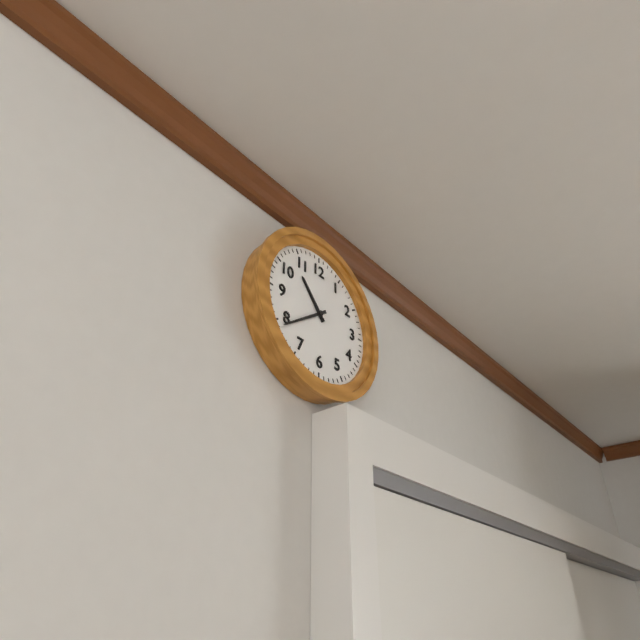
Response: **10:39**
